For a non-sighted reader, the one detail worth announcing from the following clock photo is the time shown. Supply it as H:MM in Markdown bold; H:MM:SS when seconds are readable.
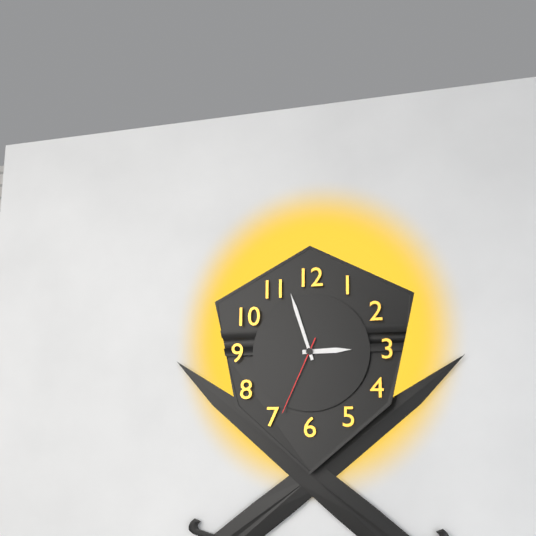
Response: **2:57:34**
